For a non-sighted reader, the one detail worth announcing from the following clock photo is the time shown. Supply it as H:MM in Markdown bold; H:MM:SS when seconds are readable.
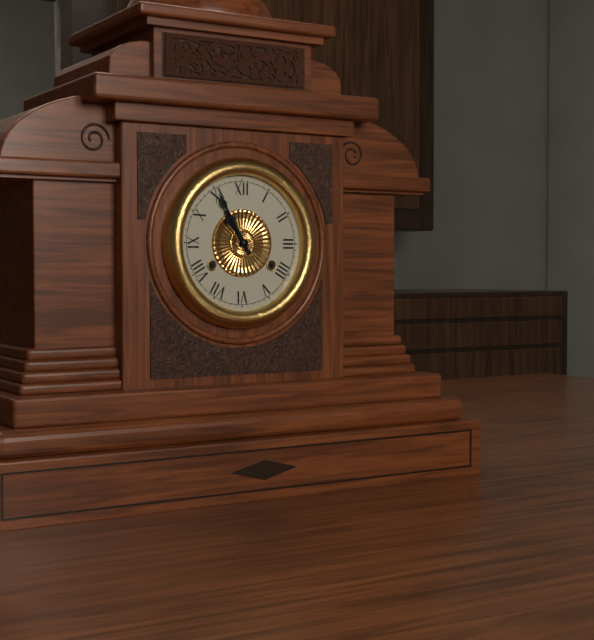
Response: **10:55**
